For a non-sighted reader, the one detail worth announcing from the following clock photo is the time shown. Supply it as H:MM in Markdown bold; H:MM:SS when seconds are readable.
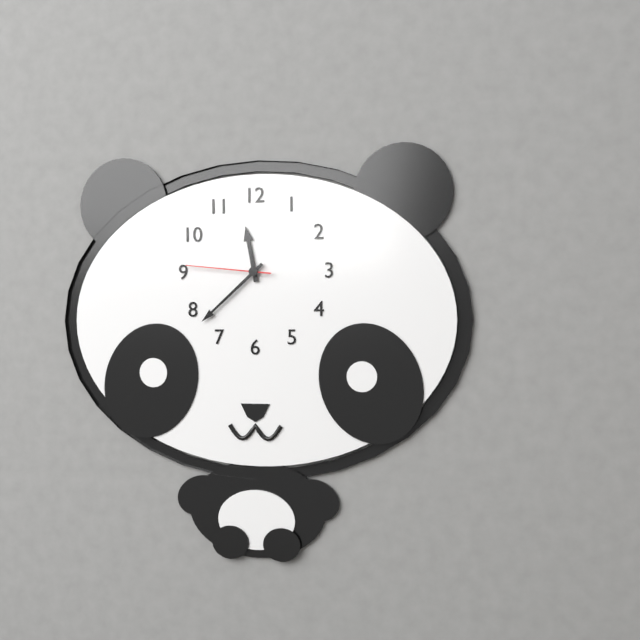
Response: **11:38:46**
